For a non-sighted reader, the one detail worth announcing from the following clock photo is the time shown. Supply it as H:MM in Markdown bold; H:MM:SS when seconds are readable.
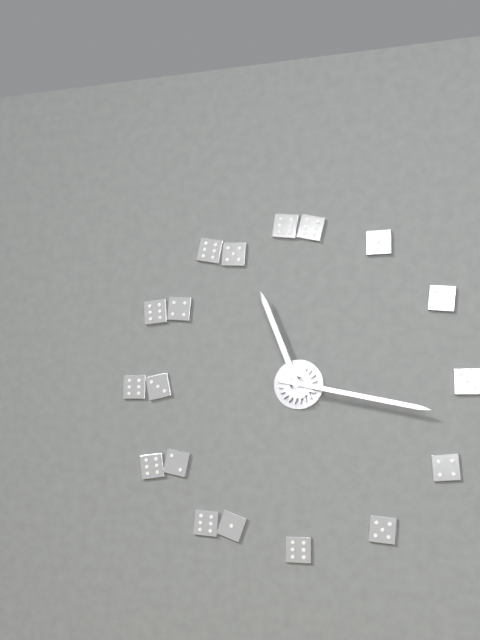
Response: **11:17**
